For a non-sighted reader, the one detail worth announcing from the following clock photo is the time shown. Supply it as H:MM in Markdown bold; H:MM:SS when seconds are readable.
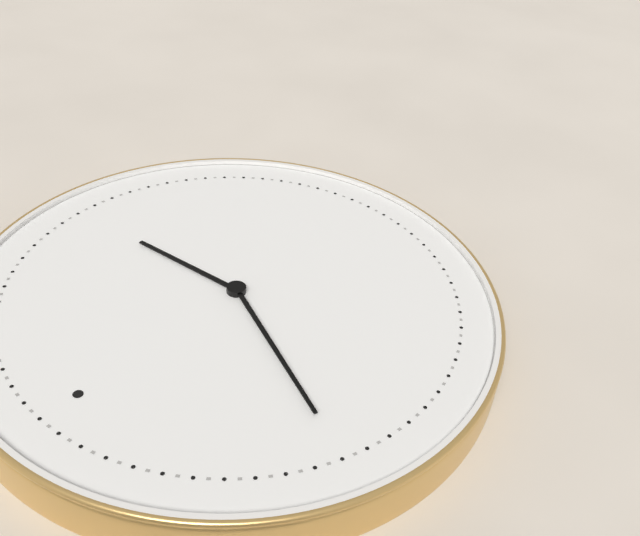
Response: **2:49**
